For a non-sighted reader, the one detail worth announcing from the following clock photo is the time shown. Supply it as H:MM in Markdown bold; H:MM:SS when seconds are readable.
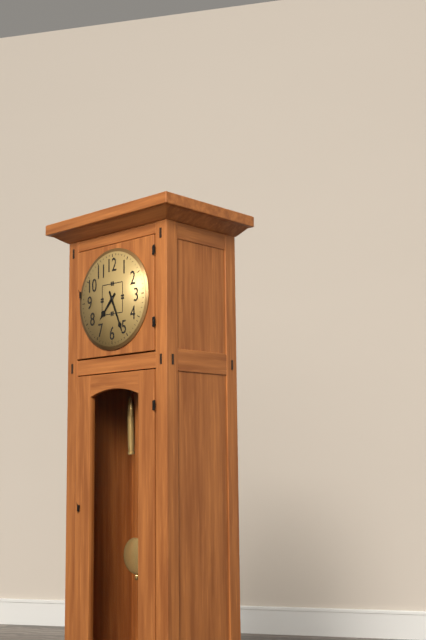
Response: **7:26**
